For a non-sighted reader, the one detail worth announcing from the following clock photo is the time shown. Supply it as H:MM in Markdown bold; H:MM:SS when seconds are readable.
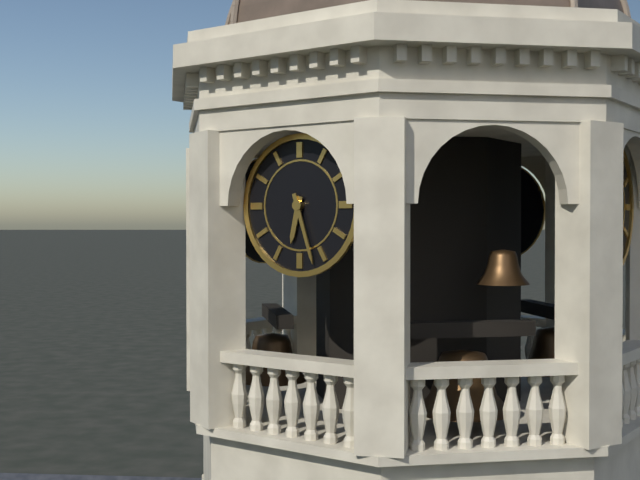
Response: **6:27**
